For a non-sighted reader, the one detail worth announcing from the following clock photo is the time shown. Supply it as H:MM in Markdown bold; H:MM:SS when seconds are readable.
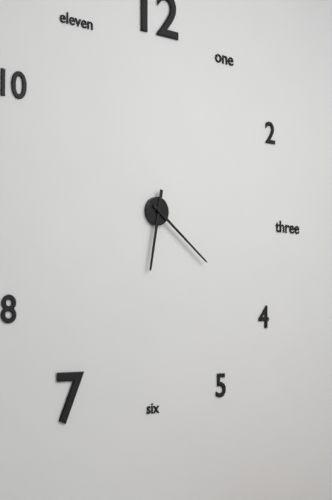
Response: **6:21**
